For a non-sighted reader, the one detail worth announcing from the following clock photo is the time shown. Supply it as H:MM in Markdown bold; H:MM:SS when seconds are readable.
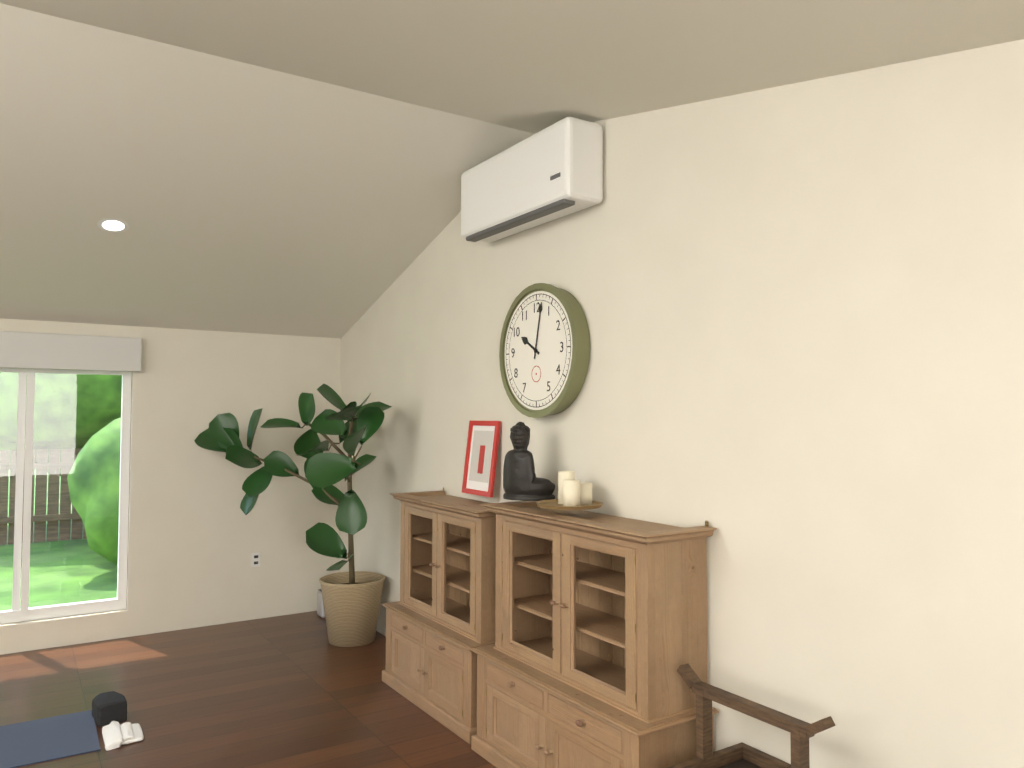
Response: **10:02**
